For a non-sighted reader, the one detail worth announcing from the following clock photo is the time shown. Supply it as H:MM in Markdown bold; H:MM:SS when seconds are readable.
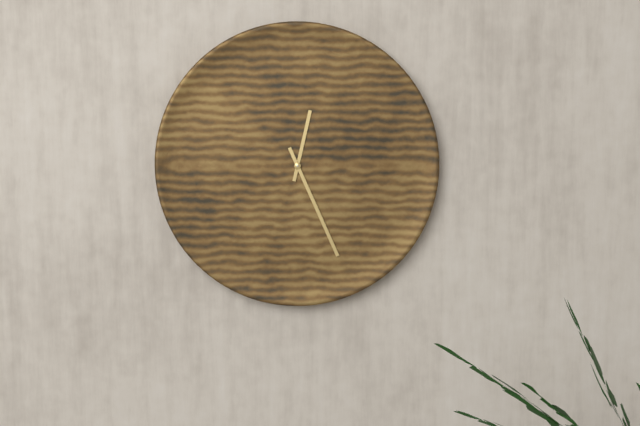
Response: **12:26**
